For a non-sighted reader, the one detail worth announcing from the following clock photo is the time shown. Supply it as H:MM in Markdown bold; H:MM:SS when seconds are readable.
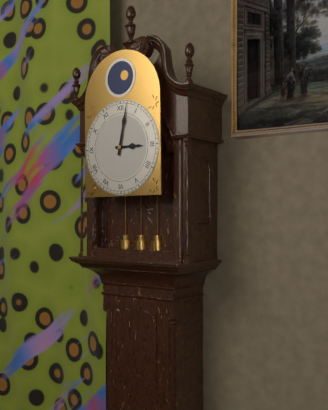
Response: **3:02**
